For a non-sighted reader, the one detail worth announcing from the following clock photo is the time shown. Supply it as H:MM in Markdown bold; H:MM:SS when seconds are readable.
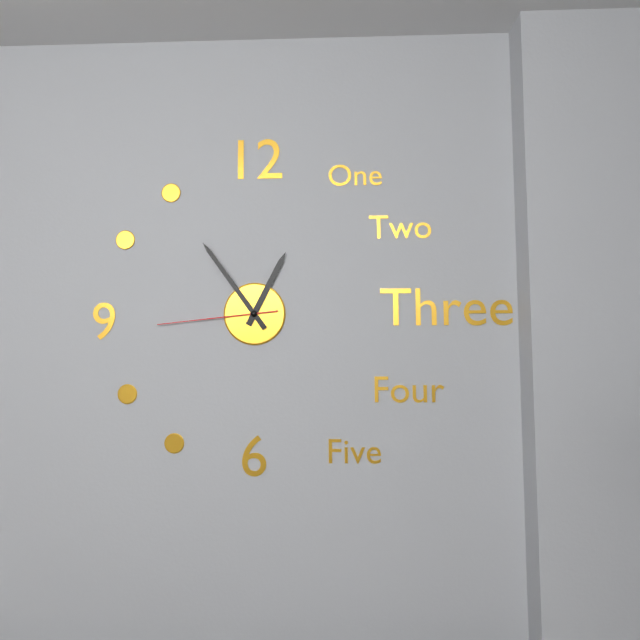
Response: **12:54:44**
